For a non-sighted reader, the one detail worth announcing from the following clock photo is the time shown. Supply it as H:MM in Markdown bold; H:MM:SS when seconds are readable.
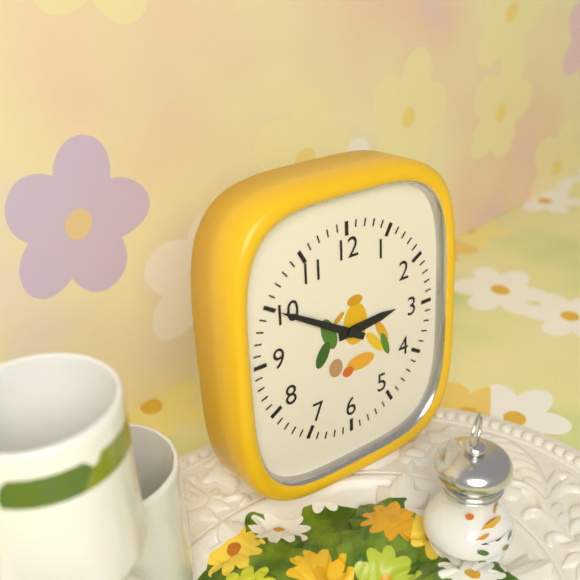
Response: **2:50**
